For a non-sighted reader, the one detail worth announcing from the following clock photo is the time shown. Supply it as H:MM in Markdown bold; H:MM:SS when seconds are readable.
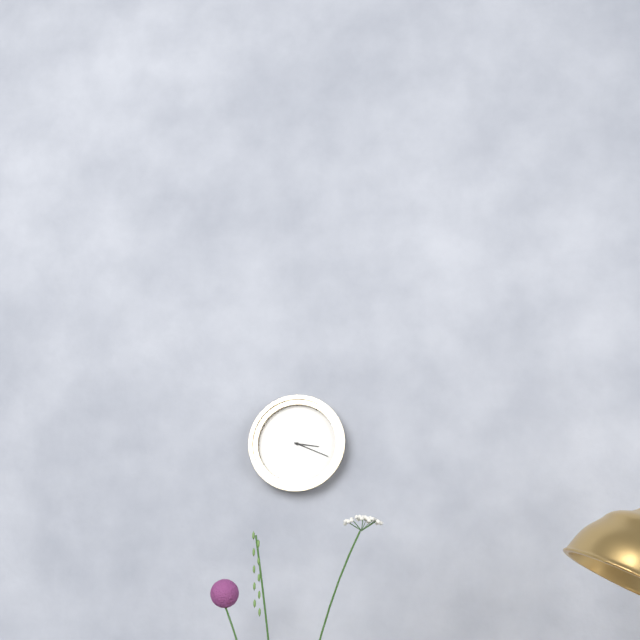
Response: **3:19**
